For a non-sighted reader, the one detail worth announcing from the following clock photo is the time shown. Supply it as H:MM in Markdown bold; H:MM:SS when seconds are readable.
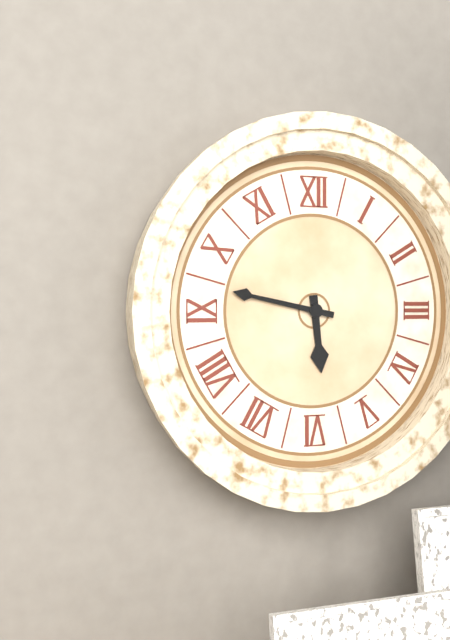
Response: **5:47**
